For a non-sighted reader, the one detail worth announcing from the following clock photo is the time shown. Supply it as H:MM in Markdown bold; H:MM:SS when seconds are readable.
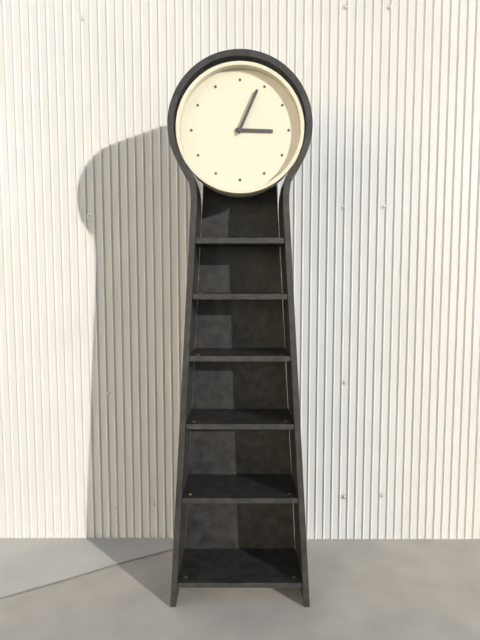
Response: **3:04**
